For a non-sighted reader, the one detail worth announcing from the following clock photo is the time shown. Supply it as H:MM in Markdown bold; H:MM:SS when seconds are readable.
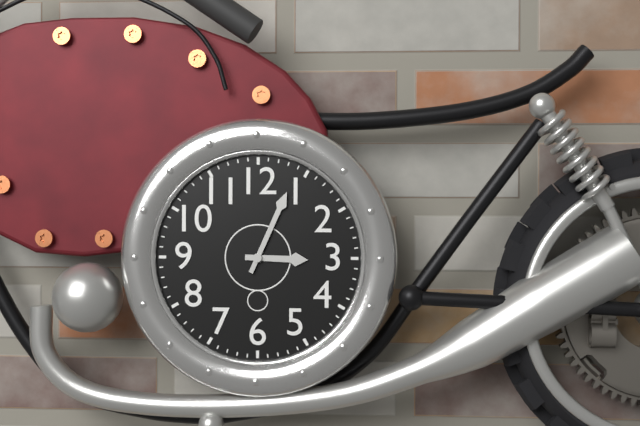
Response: **3:04**
